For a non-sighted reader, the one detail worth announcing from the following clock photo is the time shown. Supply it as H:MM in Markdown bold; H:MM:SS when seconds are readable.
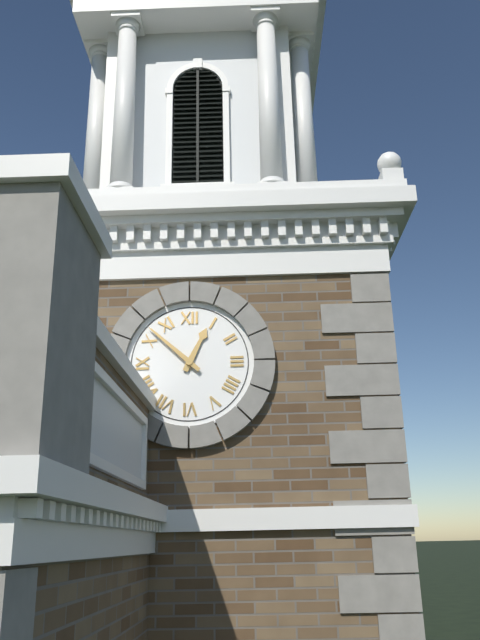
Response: **12:52**
